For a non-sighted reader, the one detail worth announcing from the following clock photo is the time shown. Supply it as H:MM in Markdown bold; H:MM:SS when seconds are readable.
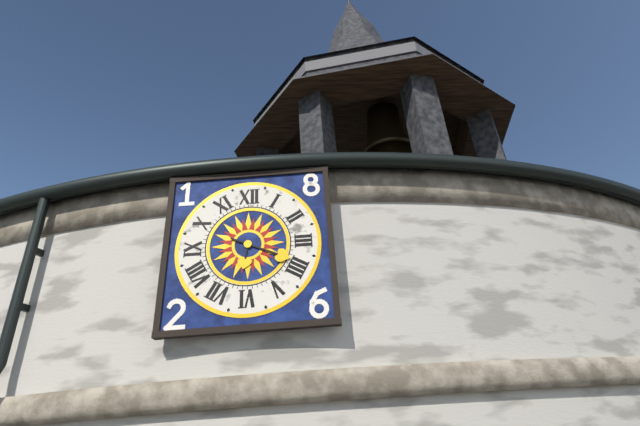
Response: **6:19**
